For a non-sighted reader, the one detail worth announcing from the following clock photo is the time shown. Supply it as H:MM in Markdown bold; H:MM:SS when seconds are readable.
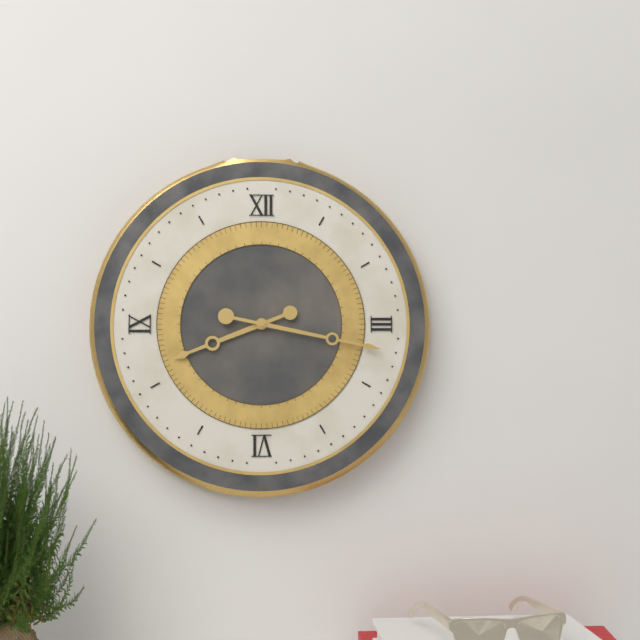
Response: **8:17**
